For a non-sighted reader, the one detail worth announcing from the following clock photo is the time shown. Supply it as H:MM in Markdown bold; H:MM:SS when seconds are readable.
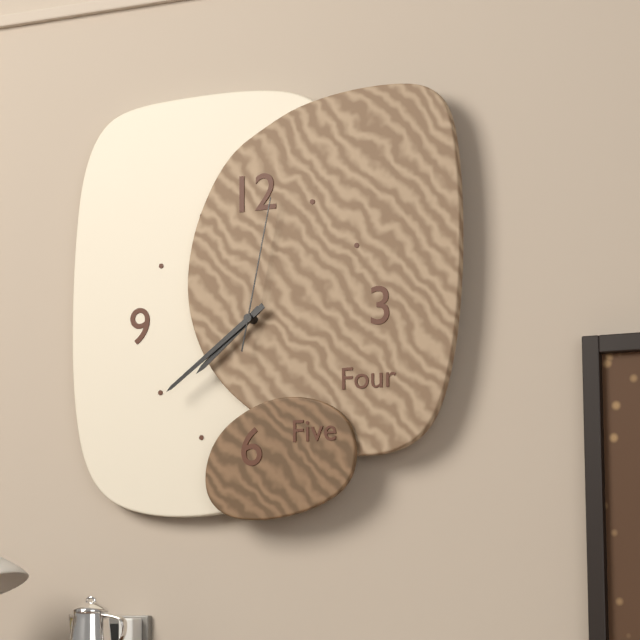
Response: **7:39:02**
